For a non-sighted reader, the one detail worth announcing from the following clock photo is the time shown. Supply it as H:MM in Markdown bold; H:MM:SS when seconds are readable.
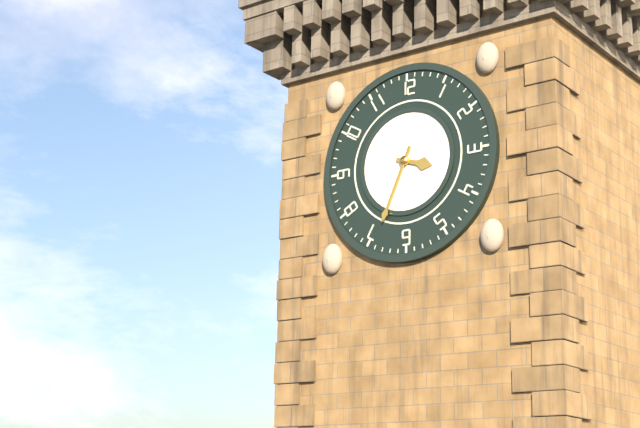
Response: **3:34**
